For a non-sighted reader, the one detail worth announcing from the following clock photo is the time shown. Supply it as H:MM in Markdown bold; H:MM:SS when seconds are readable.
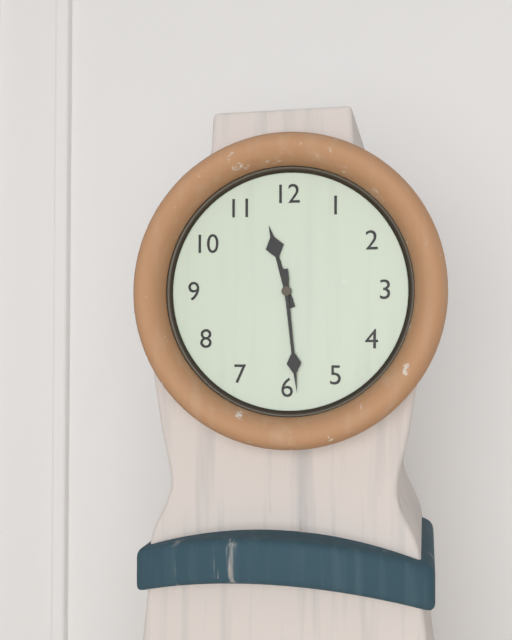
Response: **11:29**
